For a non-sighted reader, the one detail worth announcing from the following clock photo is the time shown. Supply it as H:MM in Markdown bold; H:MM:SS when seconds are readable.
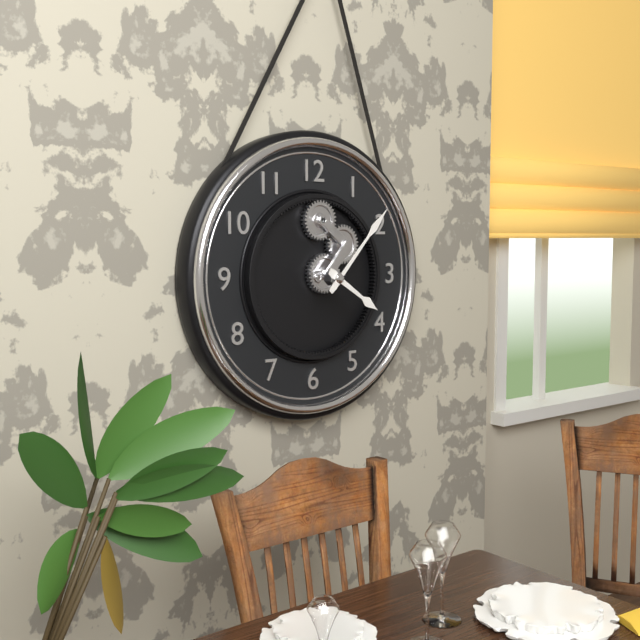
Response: **4:07**
